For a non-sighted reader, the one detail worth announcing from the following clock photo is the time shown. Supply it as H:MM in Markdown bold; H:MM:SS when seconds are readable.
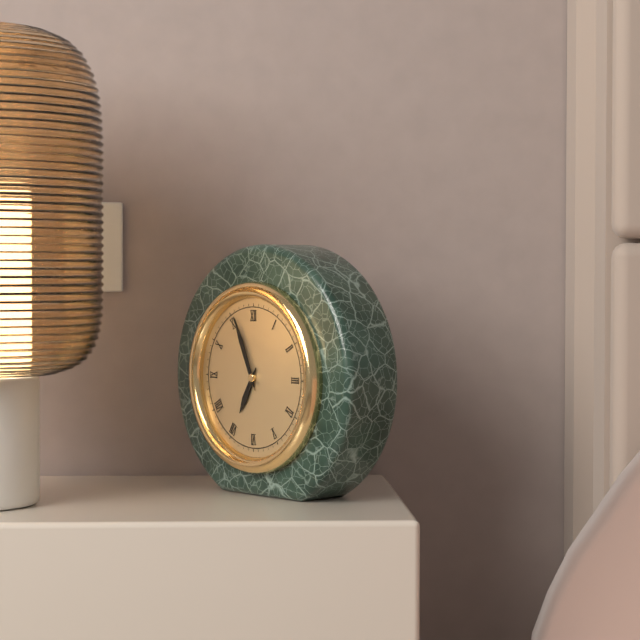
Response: **6:56**
